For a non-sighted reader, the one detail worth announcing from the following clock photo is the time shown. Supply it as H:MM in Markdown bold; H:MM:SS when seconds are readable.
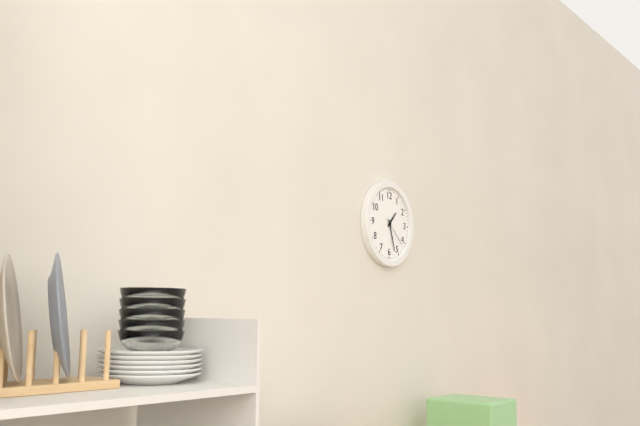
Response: **1:27**
